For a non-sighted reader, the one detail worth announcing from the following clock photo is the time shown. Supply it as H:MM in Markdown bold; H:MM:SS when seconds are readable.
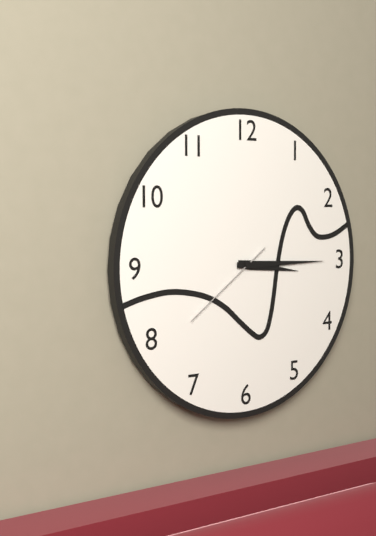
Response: **3:15:39**
